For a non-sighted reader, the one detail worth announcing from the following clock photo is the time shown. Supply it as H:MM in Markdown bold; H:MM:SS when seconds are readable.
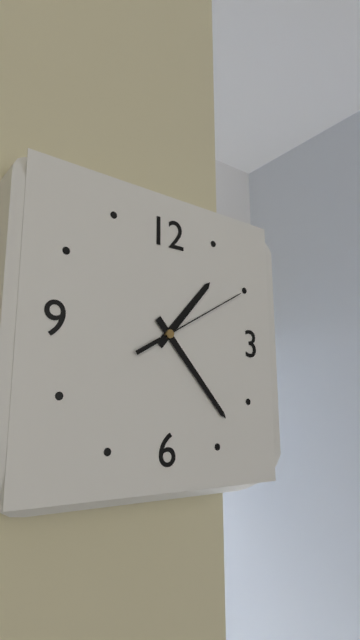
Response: **1:23:10**
